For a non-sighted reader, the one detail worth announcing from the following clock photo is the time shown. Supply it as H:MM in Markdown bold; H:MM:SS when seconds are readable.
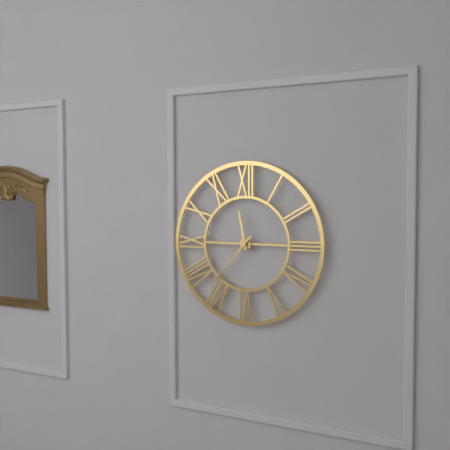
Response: **11:37**
